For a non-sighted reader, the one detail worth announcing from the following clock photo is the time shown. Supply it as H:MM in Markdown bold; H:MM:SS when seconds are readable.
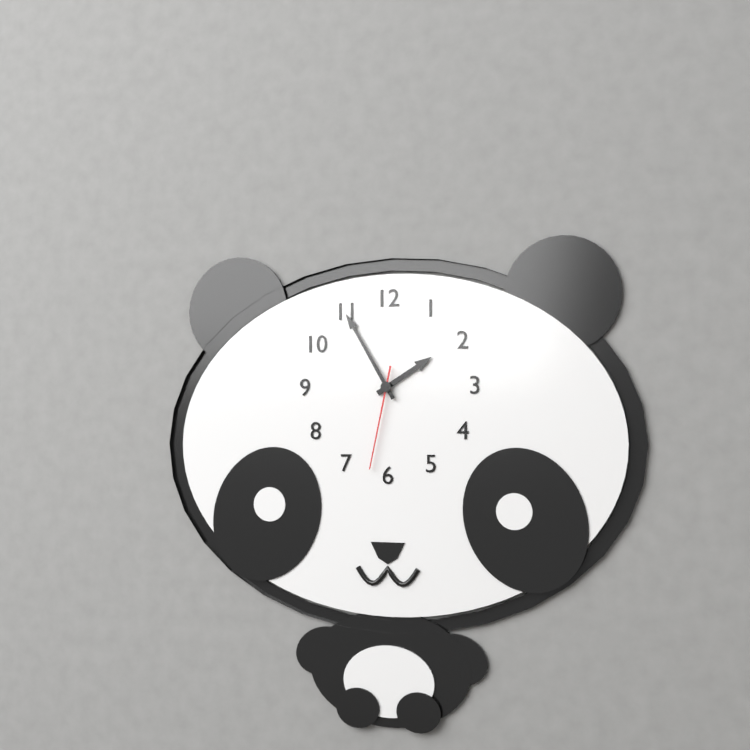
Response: **1:55:32**
